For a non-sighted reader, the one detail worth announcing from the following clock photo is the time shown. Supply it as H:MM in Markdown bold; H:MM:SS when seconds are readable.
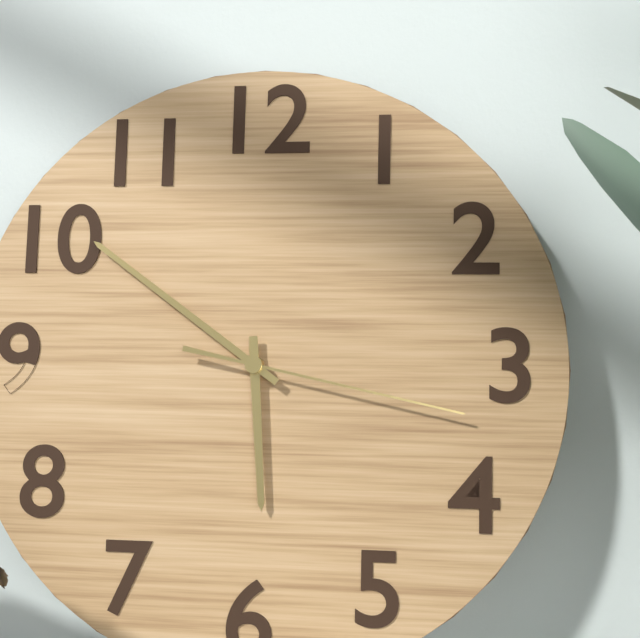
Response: **5:51:17**
